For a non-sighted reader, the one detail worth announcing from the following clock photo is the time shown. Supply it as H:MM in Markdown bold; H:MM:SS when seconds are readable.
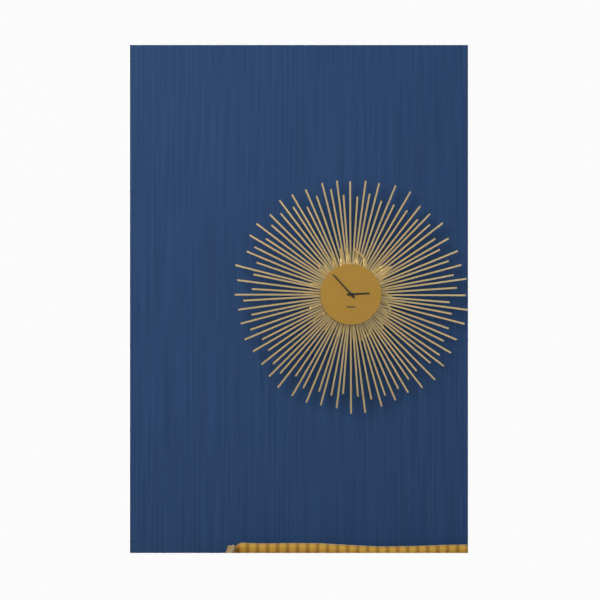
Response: **2:53**
